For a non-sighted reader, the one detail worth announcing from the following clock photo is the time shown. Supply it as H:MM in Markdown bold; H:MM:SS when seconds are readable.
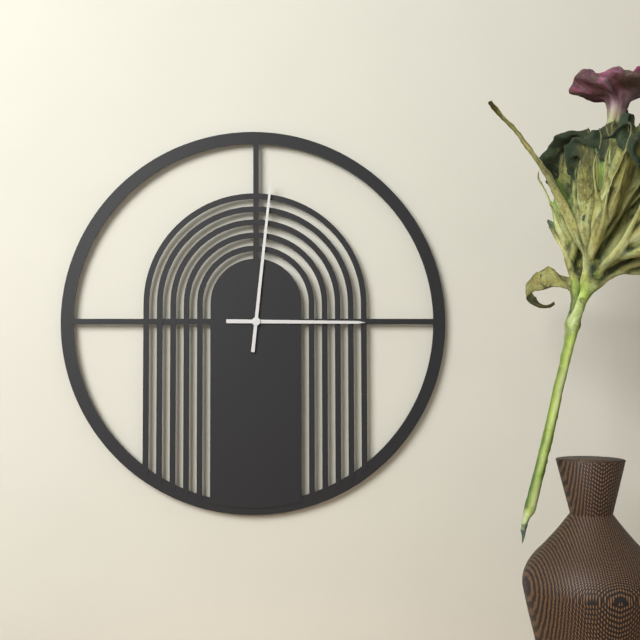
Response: **3:01**
